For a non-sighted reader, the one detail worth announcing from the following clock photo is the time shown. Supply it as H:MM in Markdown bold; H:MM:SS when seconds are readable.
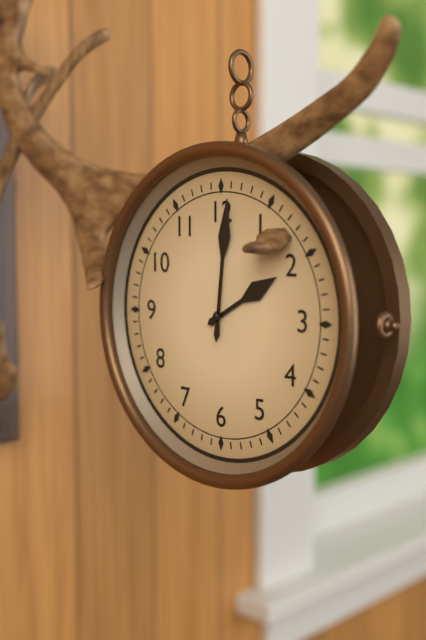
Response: **2:01**
